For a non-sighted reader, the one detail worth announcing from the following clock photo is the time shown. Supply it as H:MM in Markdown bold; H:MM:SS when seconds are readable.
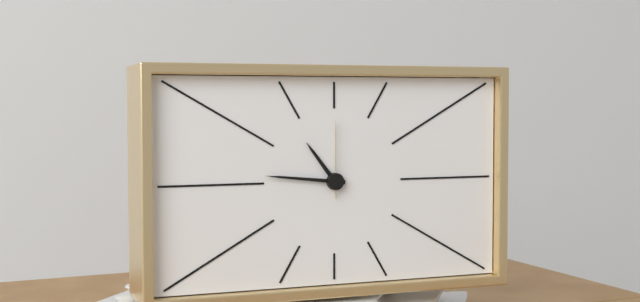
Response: **10:46:00**
